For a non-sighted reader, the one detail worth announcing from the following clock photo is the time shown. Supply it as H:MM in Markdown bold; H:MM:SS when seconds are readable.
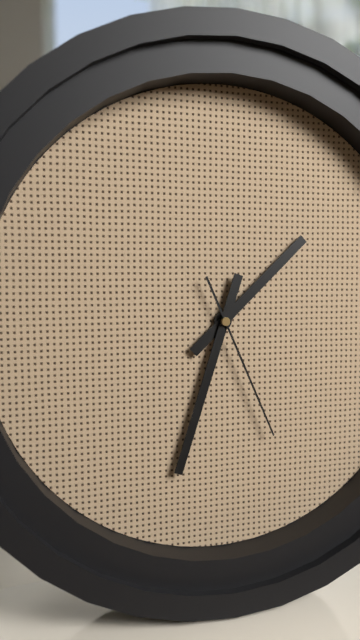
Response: **1:33:26**
